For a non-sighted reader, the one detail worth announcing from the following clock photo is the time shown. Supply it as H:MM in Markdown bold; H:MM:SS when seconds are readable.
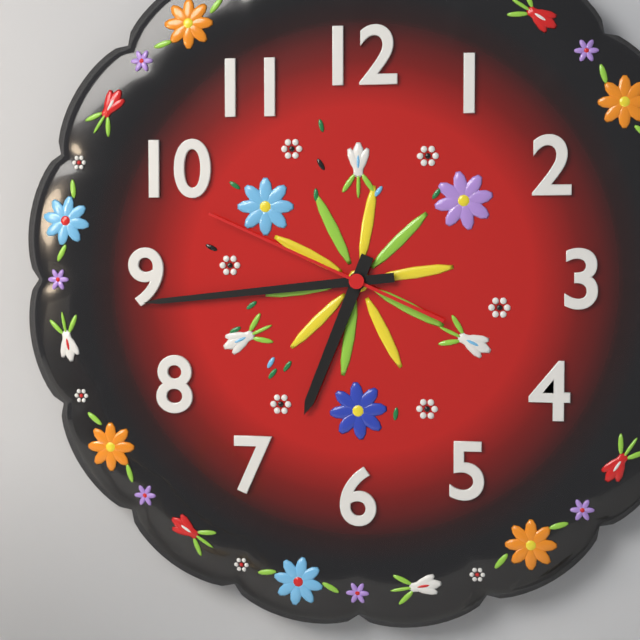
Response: **6:44:49**
